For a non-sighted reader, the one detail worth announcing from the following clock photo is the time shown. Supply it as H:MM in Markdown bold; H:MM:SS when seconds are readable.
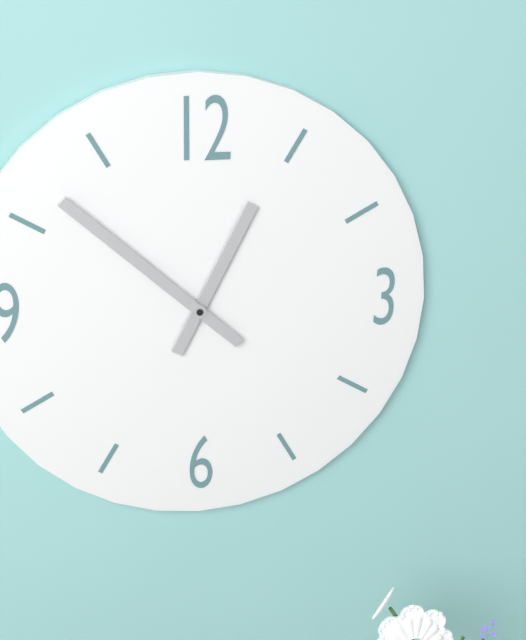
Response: **12:52**
